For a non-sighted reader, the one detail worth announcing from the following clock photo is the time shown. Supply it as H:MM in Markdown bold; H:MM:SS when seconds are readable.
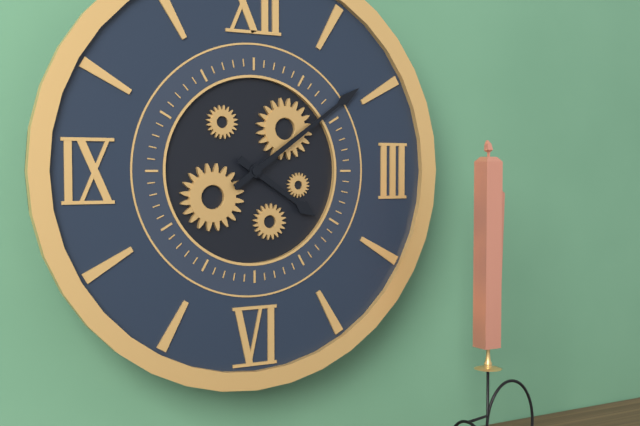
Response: **4:09**
